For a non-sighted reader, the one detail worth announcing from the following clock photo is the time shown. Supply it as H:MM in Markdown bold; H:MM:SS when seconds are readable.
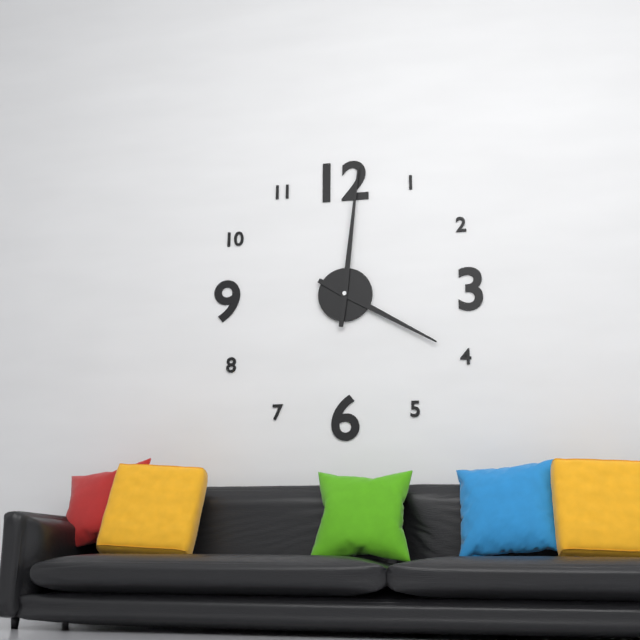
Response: **4:01**
